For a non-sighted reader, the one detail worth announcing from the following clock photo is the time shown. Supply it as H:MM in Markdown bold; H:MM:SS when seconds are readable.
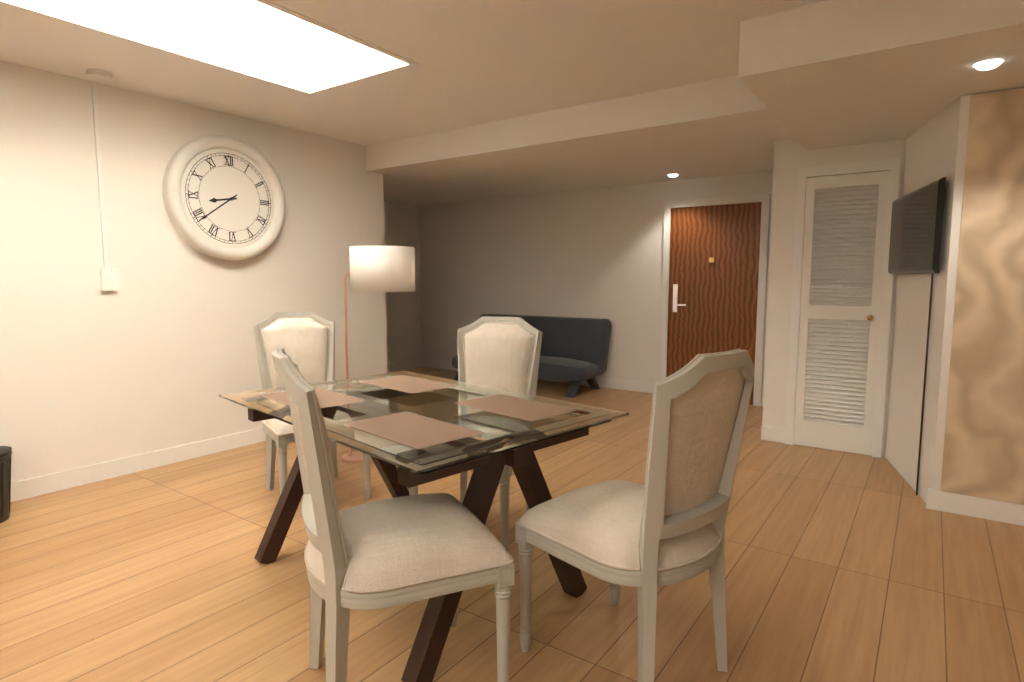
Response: **8:39**
